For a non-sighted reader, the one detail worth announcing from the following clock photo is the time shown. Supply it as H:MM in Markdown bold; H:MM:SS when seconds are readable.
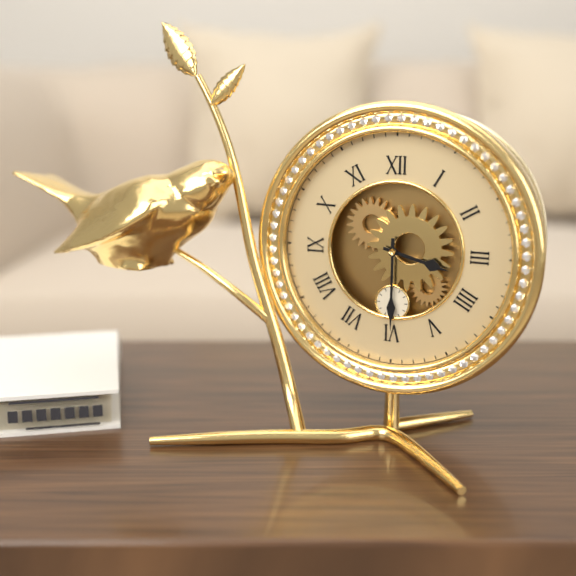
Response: **3:30**
